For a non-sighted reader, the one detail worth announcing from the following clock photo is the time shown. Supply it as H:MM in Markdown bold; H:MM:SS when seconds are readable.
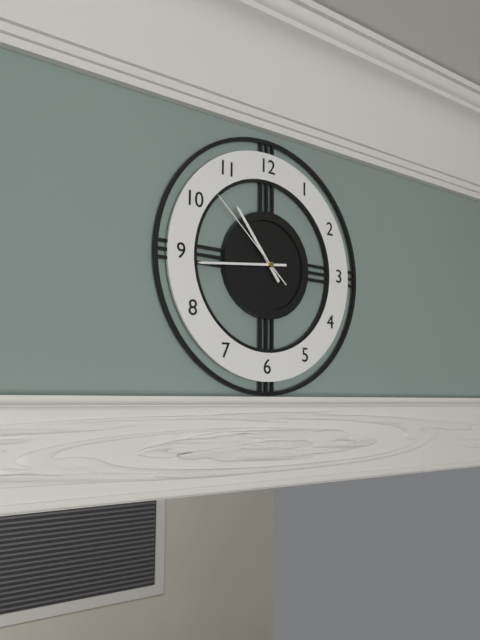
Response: **10:44:52**
